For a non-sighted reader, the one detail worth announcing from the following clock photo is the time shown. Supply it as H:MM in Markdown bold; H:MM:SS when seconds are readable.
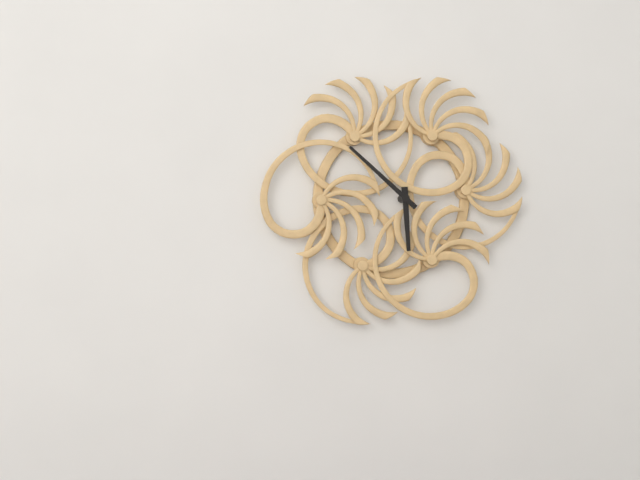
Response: **5:52**
